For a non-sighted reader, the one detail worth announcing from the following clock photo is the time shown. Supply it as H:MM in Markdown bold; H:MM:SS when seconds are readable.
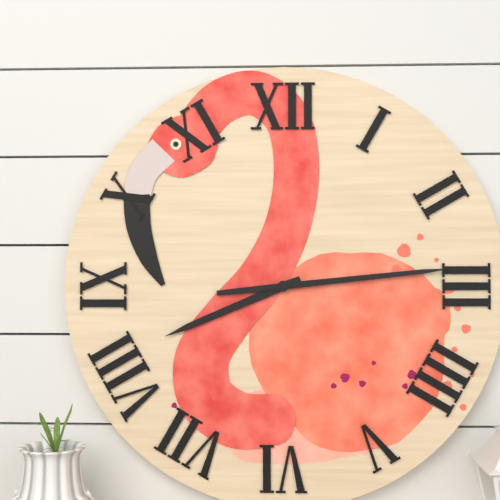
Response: **8:14**
